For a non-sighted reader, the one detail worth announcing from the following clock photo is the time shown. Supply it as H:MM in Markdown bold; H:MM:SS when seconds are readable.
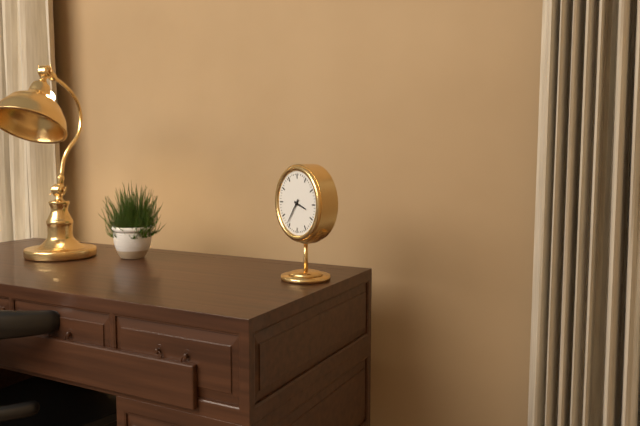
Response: **3:36**
